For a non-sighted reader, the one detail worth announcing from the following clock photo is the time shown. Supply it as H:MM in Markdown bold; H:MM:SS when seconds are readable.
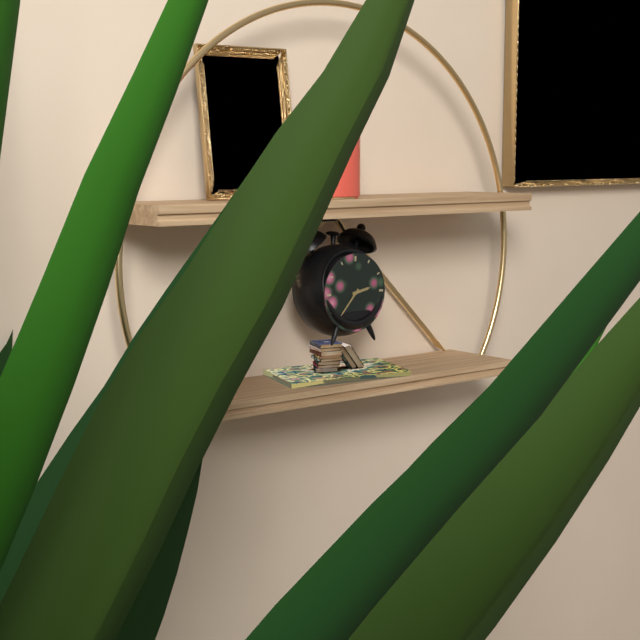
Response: **2:37**
